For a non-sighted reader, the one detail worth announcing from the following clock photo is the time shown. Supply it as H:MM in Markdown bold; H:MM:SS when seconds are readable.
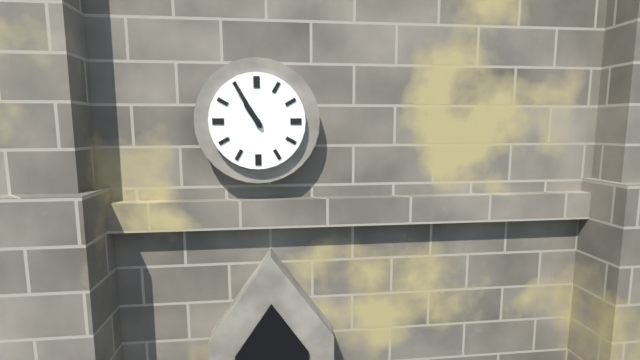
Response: **10:55**
